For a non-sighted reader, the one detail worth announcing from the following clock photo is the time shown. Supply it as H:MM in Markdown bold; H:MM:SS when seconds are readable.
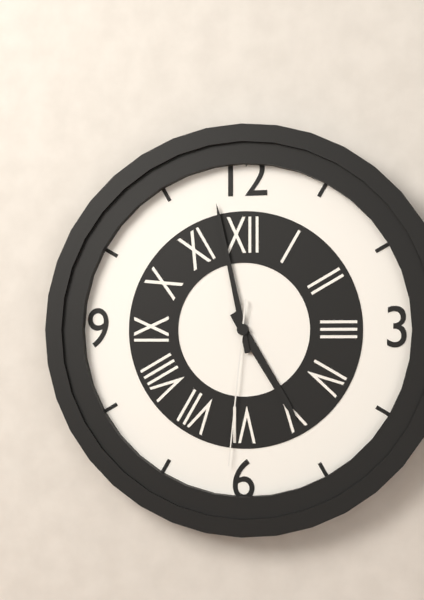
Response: **4:58:31**
